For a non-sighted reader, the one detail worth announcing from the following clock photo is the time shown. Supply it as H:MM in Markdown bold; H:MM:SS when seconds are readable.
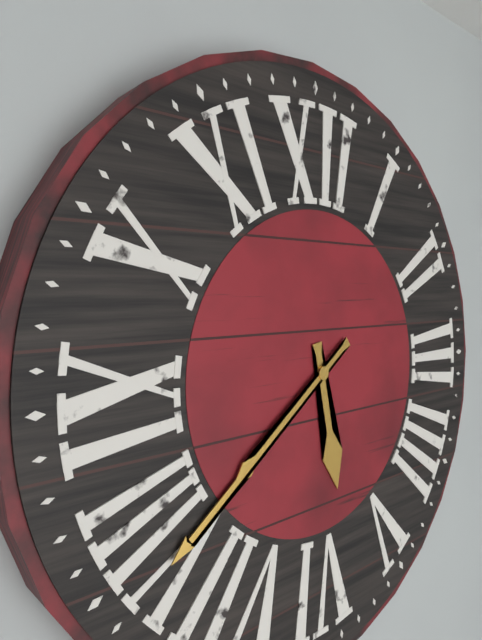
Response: **5:39**
